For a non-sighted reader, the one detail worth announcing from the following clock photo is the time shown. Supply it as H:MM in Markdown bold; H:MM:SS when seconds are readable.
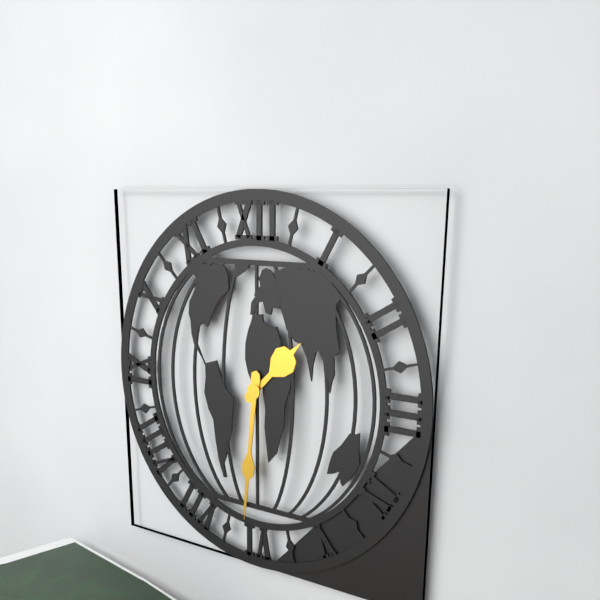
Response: **1:31**
